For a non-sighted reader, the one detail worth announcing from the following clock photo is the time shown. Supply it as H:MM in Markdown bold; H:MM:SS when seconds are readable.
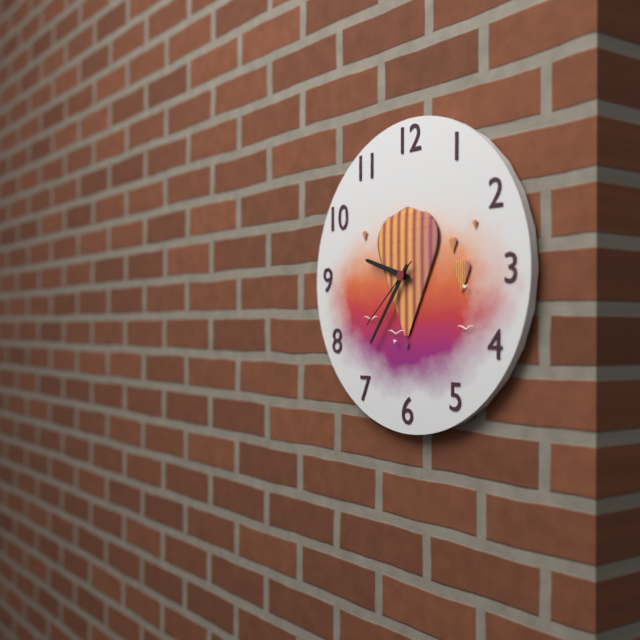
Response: **9:36:38**
